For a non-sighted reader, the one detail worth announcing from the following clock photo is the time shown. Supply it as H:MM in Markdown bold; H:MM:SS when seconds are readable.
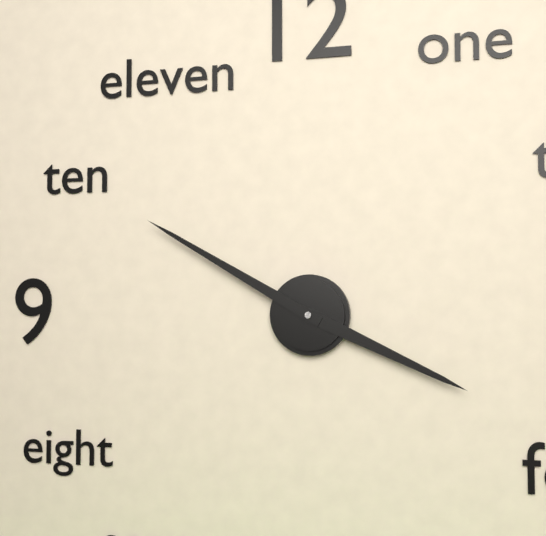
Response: **3:50**
